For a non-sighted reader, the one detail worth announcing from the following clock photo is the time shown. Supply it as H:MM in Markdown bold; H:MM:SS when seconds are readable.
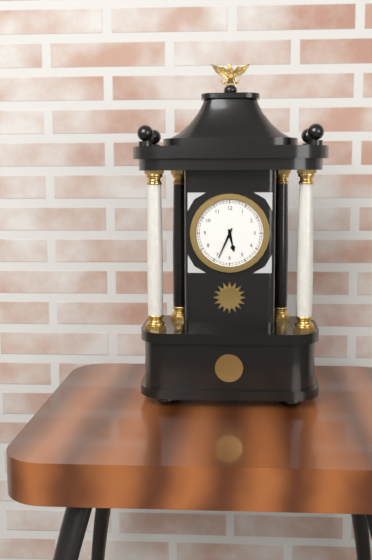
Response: **5:34**
